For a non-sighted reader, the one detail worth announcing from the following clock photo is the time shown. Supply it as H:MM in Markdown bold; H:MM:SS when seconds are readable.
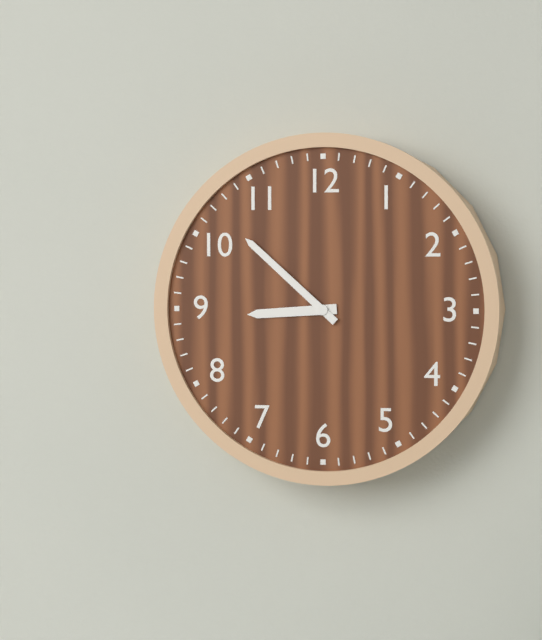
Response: **8:52**
